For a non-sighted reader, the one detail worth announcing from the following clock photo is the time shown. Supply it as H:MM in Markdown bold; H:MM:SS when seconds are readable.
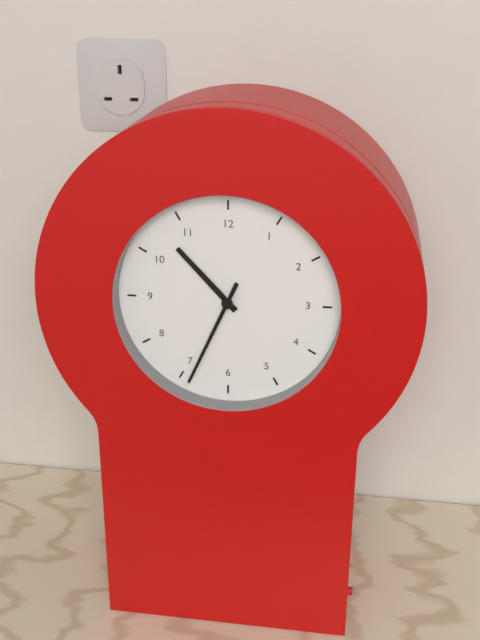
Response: **10:34**
